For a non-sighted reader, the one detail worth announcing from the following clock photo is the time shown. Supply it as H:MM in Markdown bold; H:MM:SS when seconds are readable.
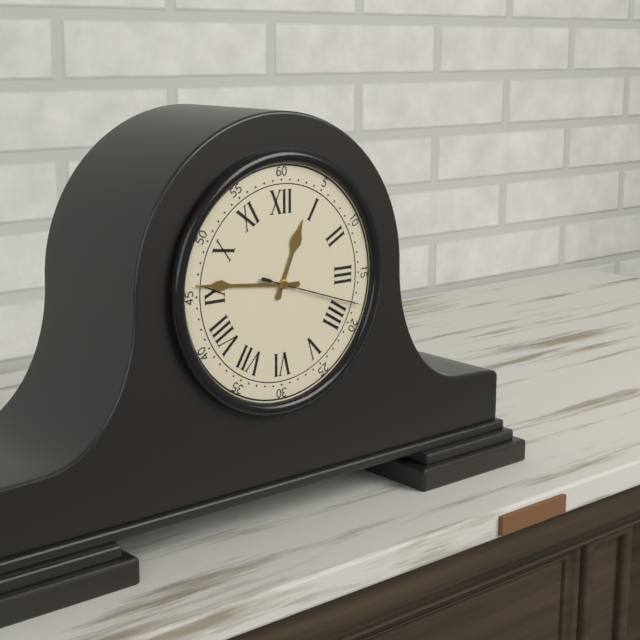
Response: **12:46:18**
